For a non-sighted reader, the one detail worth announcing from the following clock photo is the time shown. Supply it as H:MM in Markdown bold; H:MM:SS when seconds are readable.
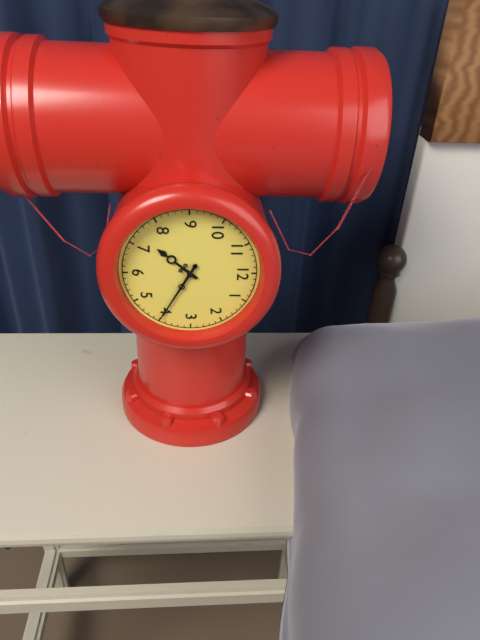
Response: **7:20**
